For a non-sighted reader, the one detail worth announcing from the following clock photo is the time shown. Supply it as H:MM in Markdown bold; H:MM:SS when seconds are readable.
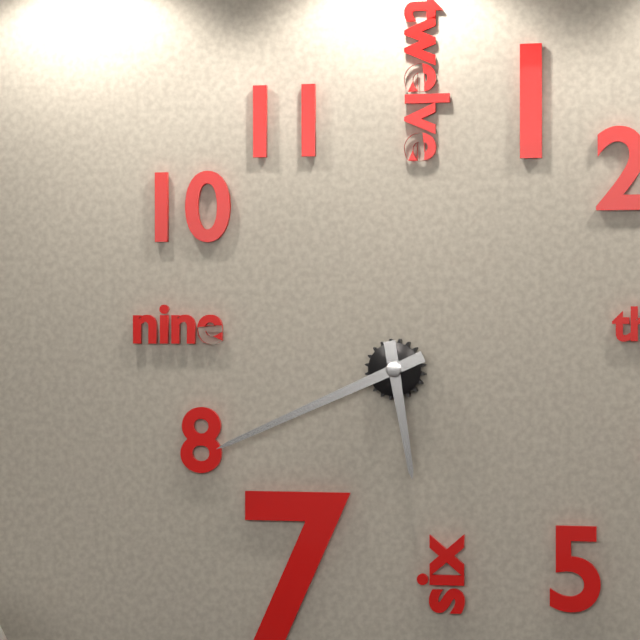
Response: **5:41**
